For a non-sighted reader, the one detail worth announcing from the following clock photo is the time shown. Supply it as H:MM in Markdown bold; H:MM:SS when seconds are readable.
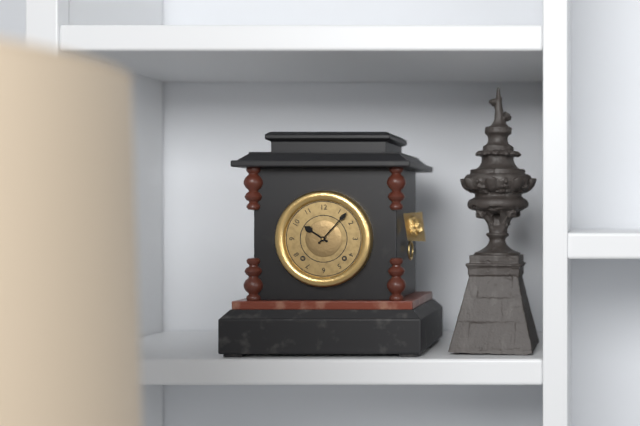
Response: **10:07**
